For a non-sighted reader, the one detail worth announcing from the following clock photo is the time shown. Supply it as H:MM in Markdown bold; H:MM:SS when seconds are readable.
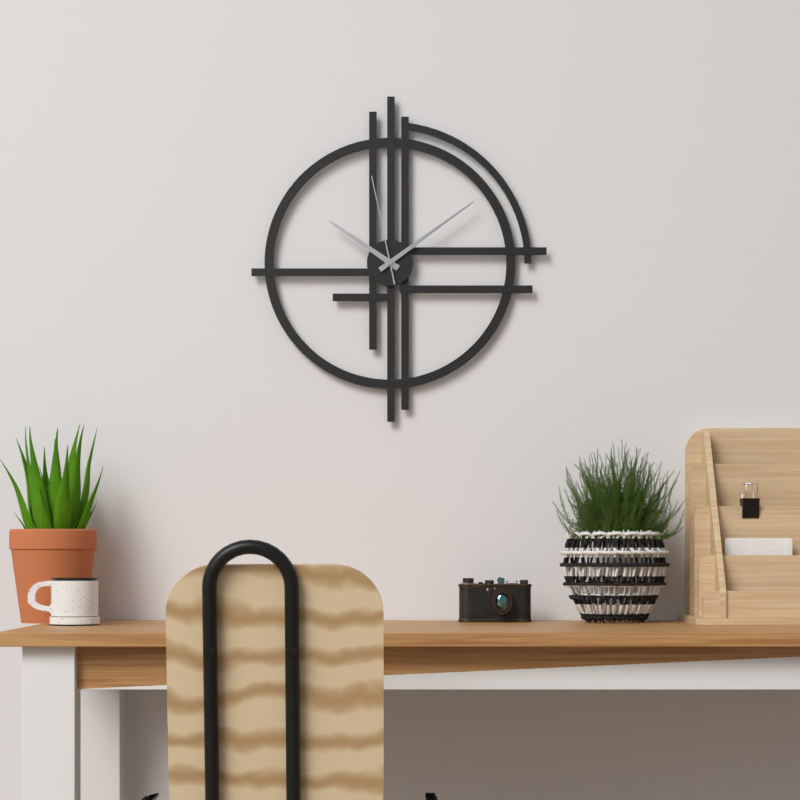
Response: **10:09:58**
